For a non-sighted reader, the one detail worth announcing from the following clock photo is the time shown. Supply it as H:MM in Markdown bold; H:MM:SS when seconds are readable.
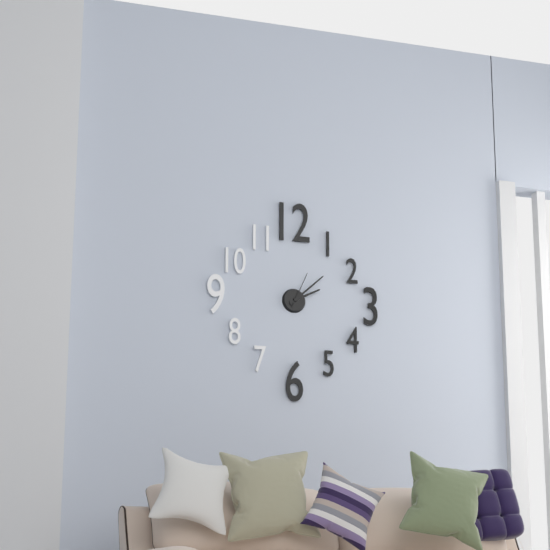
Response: **2:08**
